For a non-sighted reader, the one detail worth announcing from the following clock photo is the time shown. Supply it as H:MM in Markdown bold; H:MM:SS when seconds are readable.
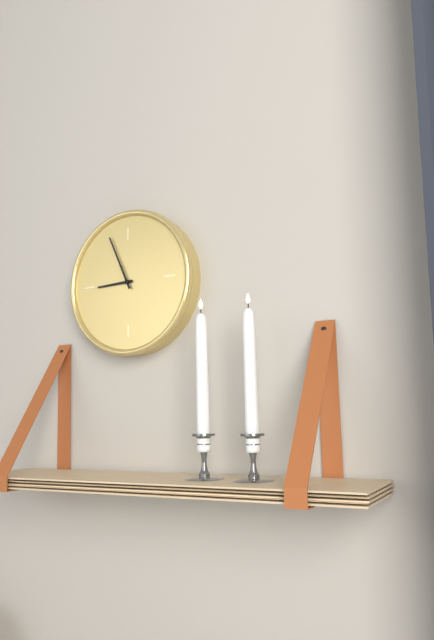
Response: **8:56**
